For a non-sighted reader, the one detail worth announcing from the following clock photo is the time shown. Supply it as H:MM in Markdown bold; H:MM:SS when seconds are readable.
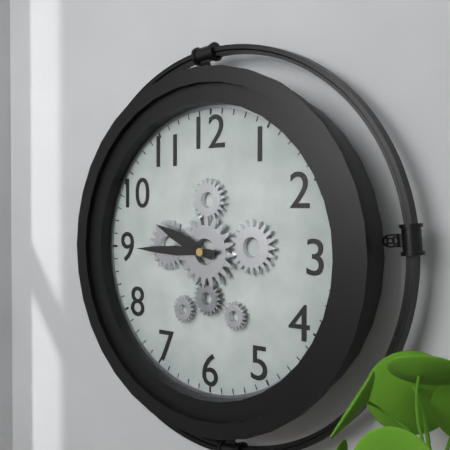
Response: **9:45**
